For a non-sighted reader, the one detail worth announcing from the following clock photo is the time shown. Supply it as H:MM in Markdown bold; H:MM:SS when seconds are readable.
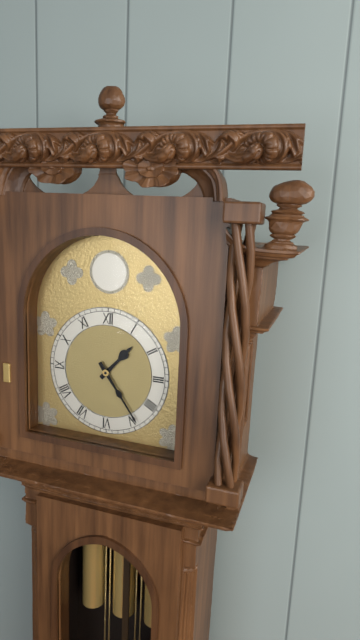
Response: **1:24**
